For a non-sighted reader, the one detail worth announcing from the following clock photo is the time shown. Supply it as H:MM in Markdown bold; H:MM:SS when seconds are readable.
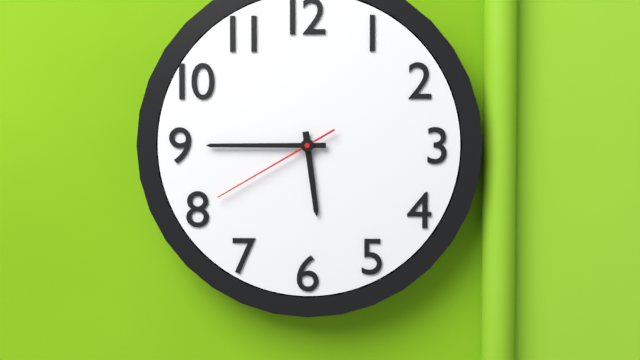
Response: **5:45:40**
